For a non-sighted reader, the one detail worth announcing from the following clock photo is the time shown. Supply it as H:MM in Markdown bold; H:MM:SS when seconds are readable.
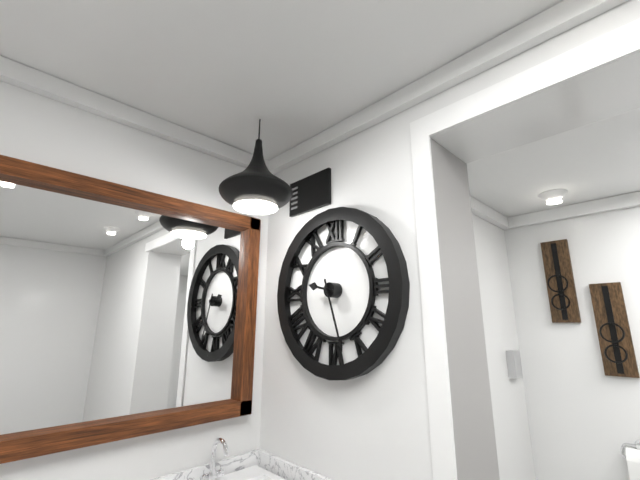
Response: **9:27**
